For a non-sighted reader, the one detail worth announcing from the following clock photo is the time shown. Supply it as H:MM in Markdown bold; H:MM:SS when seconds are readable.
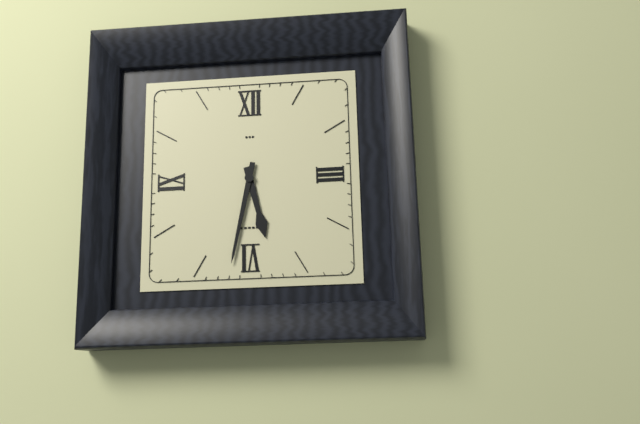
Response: **5:32**
